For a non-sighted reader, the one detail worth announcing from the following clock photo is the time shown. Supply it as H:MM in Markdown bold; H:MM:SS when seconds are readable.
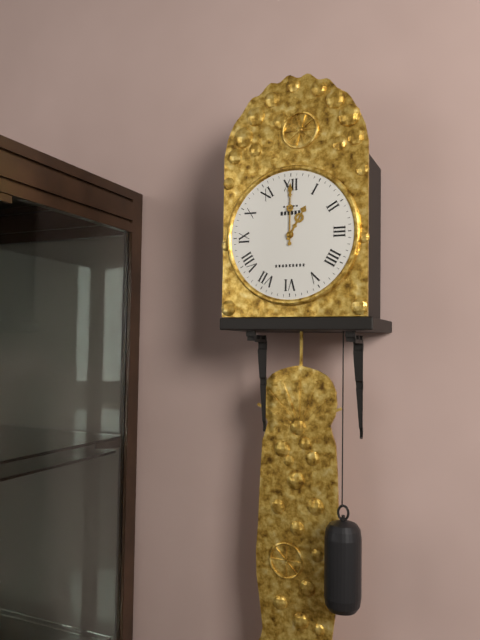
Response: **1:00**
